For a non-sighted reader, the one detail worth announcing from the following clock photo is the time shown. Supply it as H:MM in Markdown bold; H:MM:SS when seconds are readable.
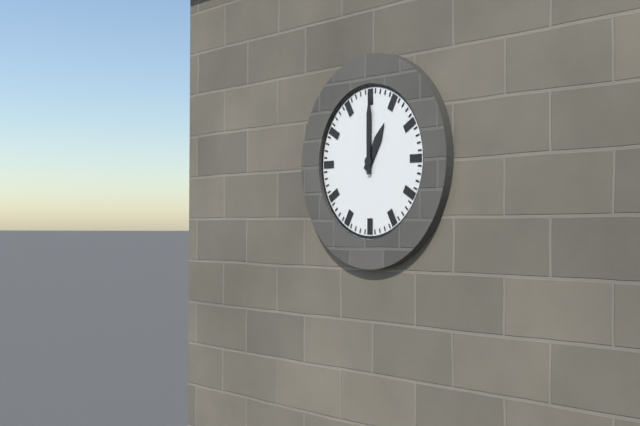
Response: **1:00**
